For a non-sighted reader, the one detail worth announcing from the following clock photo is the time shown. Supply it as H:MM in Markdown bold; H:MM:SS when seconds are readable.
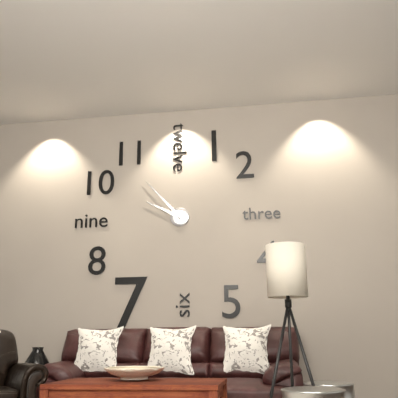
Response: **9:53**
